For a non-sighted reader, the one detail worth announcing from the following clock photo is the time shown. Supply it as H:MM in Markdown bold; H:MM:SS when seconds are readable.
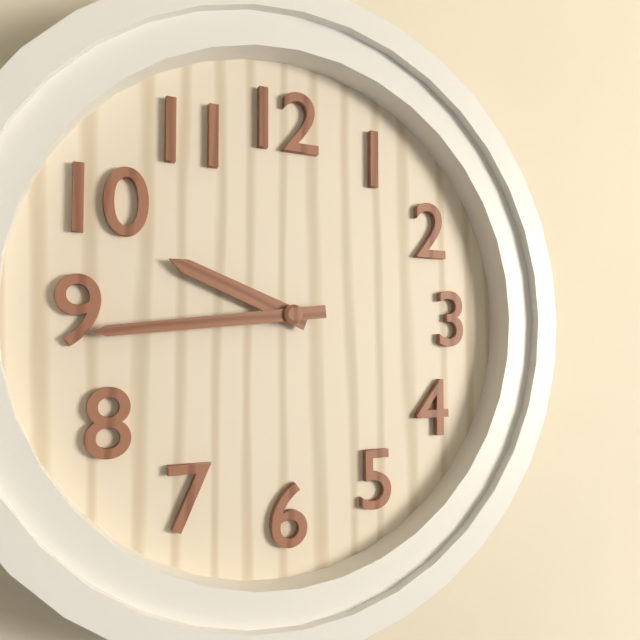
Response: **9:44**
